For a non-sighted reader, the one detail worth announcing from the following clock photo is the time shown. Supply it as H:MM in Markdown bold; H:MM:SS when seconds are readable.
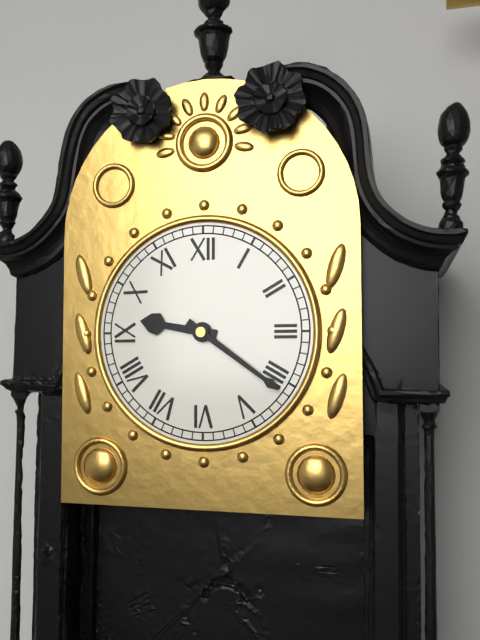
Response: **9:21**
